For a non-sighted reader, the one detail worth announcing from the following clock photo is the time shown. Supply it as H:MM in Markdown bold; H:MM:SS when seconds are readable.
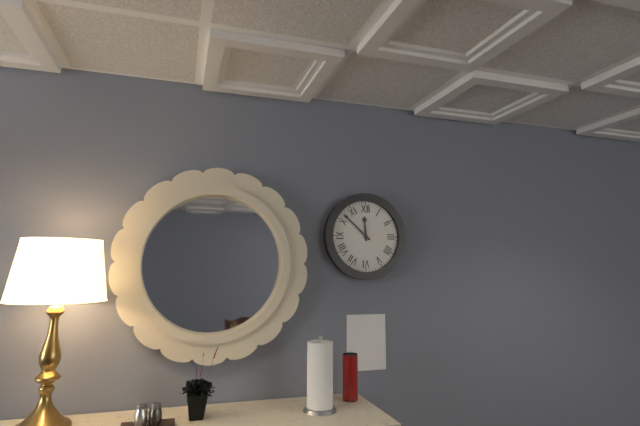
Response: **11:52**
